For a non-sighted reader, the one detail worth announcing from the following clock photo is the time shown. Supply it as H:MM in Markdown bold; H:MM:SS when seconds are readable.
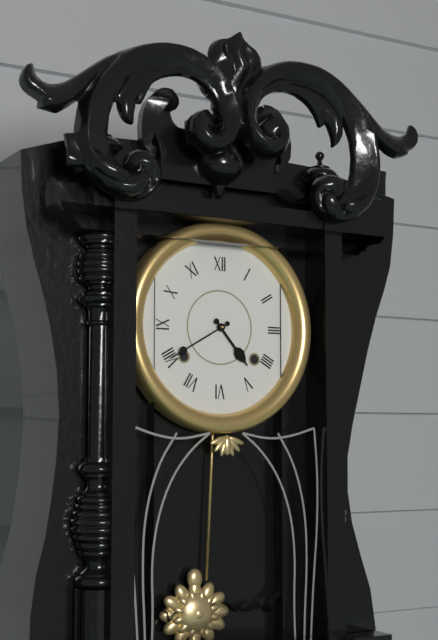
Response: **4:40**
